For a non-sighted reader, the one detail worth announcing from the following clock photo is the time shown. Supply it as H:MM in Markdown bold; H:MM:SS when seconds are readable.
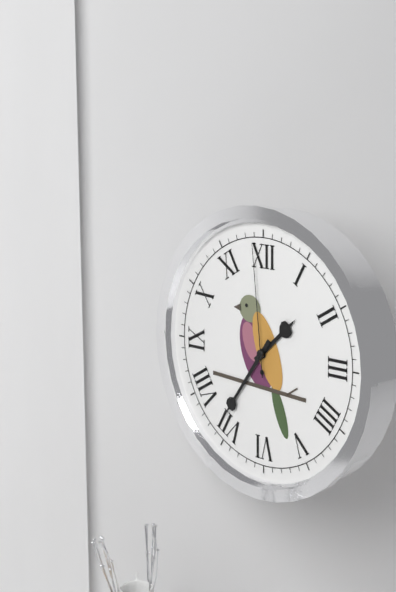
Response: **1:36:59**
